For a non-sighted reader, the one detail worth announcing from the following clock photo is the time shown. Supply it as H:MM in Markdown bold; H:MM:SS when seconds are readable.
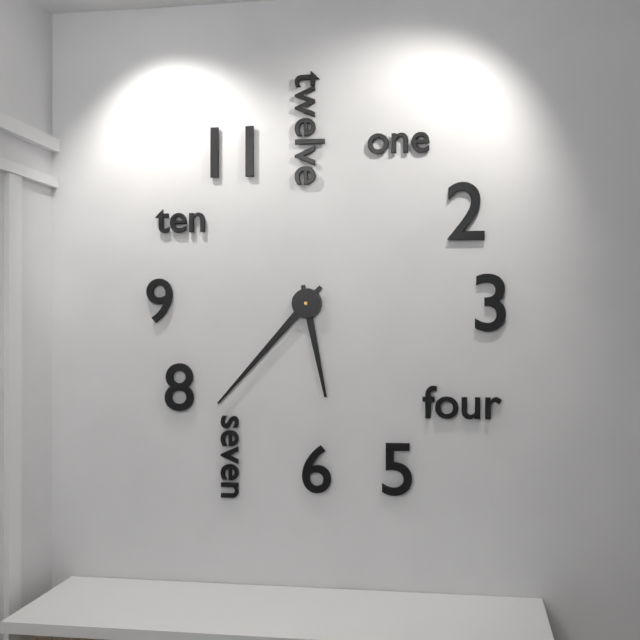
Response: **5:37**
